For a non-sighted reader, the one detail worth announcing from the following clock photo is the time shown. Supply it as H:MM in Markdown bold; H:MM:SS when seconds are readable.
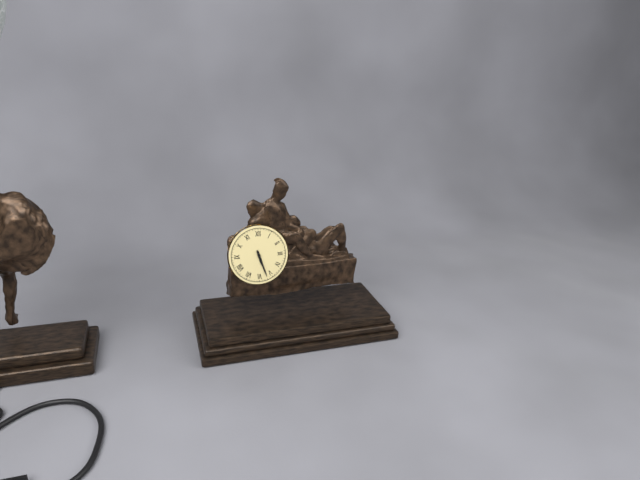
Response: **5:27**
